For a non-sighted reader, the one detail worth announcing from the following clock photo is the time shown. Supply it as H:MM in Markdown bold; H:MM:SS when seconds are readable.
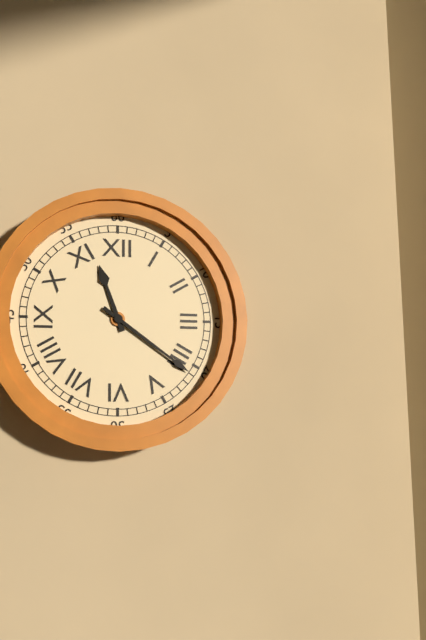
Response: **11:21**
